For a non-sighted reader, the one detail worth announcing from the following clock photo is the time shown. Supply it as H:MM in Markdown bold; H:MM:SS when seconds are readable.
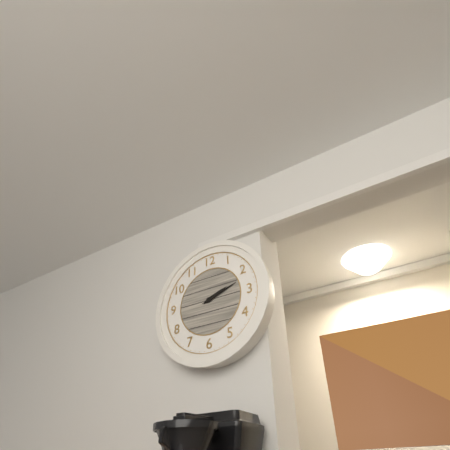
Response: **2:12**
